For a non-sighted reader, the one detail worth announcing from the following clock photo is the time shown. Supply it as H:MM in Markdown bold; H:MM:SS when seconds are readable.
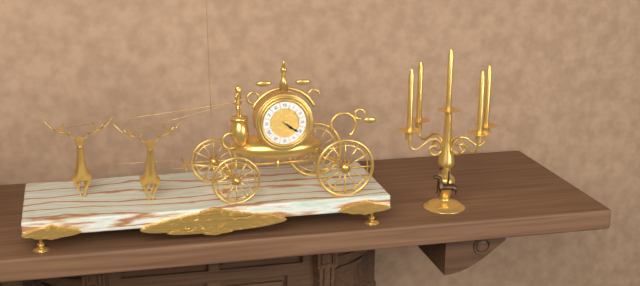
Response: **4:21**
